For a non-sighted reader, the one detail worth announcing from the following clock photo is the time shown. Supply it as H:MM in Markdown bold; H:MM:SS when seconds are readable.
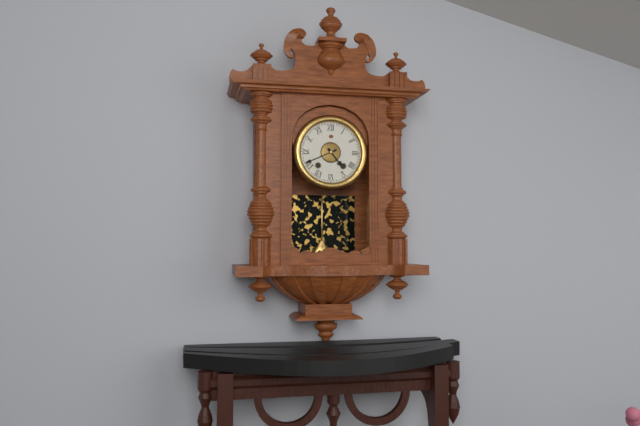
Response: **4:41**
